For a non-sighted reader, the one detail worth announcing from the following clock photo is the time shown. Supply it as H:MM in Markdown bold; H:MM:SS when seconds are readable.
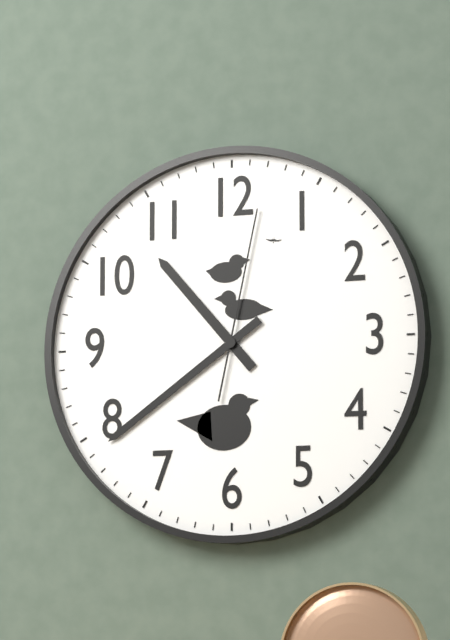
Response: **10:39:02**
